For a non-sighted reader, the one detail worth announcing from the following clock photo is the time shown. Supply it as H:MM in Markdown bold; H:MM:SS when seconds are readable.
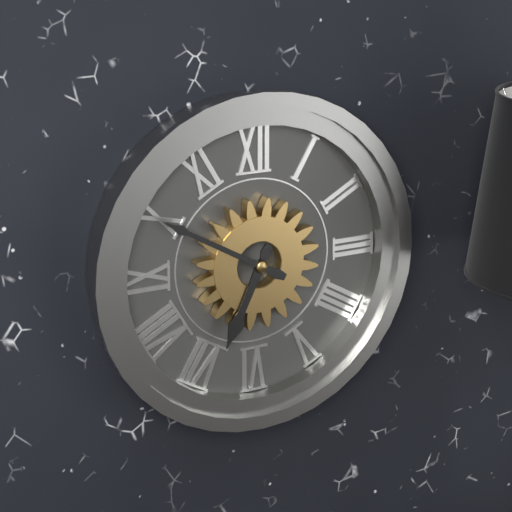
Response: **6:50**
